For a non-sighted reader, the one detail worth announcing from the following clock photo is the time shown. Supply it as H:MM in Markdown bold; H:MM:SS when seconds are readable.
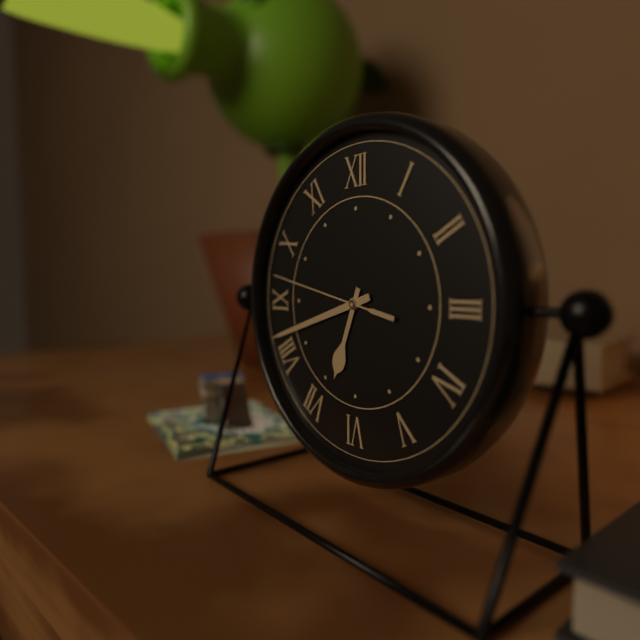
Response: **6:42:47**
